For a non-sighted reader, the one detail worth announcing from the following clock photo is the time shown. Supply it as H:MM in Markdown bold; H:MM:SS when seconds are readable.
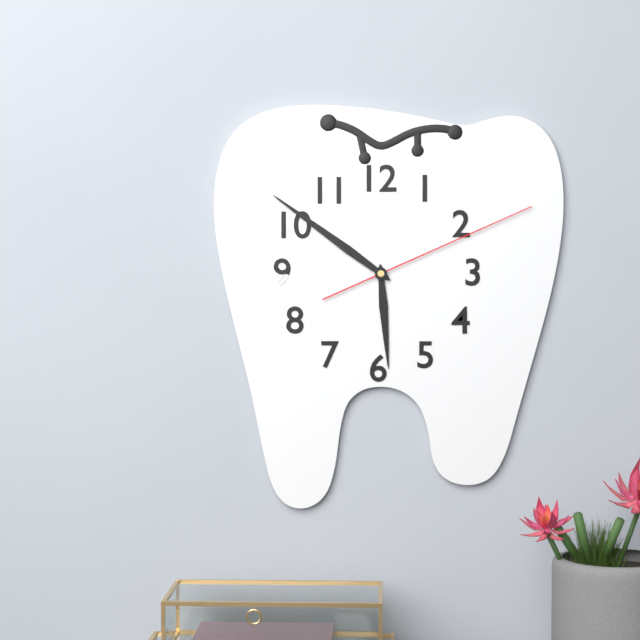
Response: **5:51:11**
